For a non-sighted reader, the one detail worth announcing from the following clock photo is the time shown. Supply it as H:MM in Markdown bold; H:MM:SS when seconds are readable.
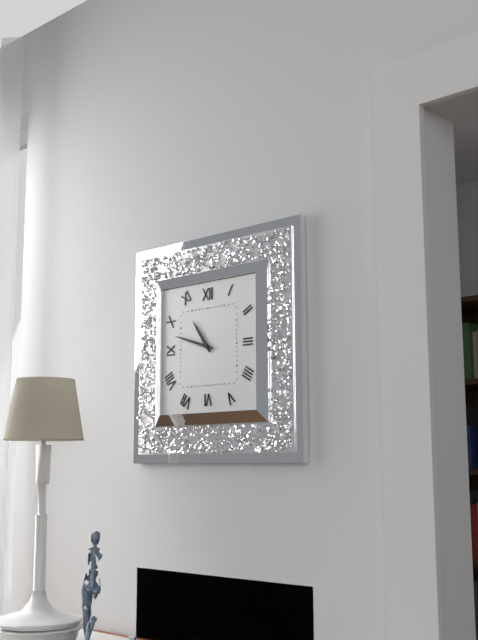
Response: **10:48**
